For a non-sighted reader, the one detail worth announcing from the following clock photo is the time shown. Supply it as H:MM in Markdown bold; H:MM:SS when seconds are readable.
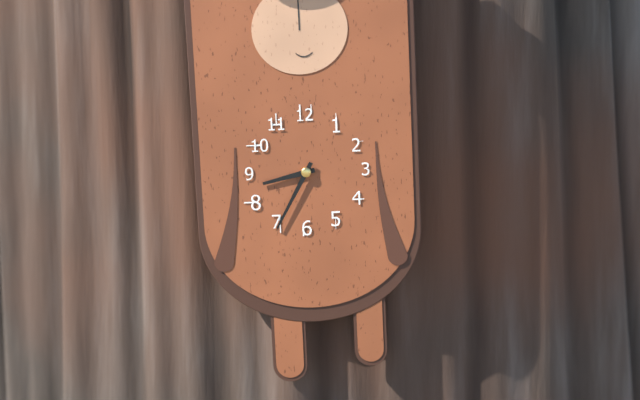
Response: **8:35**
